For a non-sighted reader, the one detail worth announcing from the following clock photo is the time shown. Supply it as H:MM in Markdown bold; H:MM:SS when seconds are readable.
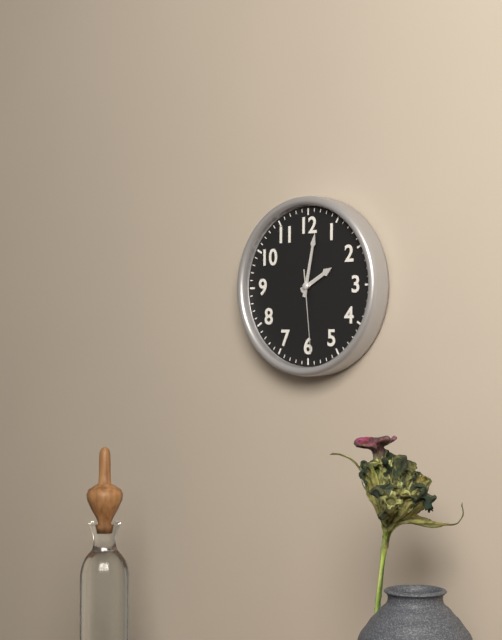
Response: **2:02:29**
